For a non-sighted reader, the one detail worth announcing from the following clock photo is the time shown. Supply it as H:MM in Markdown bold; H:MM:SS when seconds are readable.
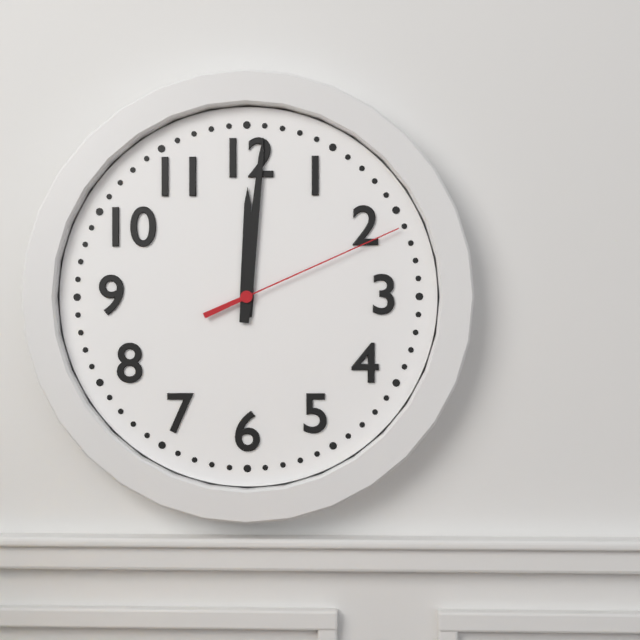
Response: **12:01:11**
